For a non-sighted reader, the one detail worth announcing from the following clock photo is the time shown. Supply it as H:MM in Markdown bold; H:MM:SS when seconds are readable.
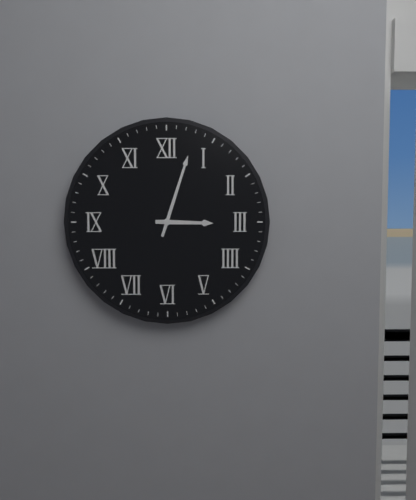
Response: **3:03**
